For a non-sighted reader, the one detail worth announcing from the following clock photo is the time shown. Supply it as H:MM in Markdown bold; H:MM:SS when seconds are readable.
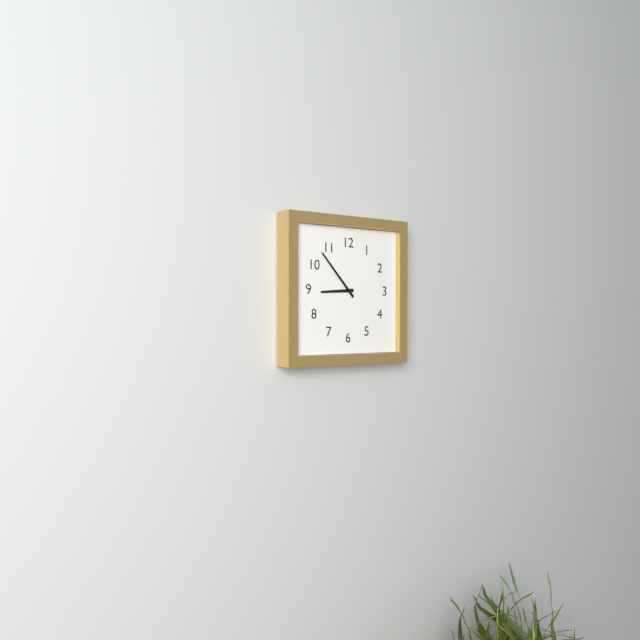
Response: **8:53**
